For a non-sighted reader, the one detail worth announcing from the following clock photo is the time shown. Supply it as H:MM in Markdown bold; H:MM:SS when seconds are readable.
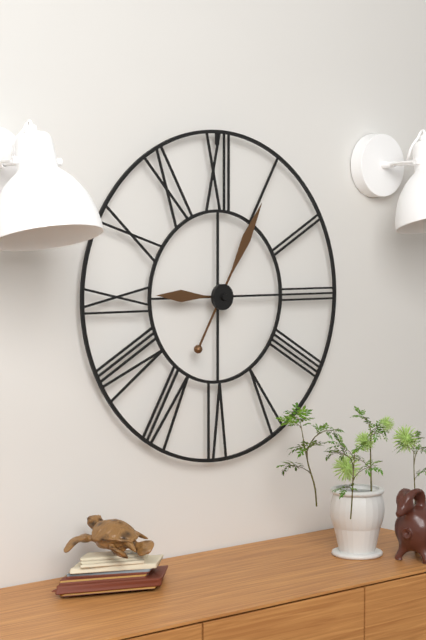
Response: **9:05**
